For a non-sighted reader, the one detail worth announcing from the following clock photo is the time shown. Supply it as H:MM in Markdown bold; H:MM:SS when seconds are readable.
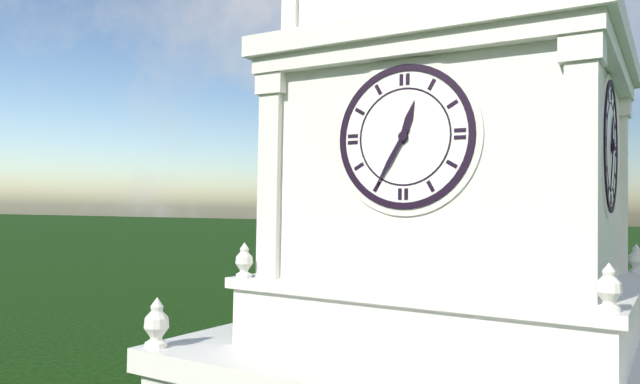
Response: **12:35**
